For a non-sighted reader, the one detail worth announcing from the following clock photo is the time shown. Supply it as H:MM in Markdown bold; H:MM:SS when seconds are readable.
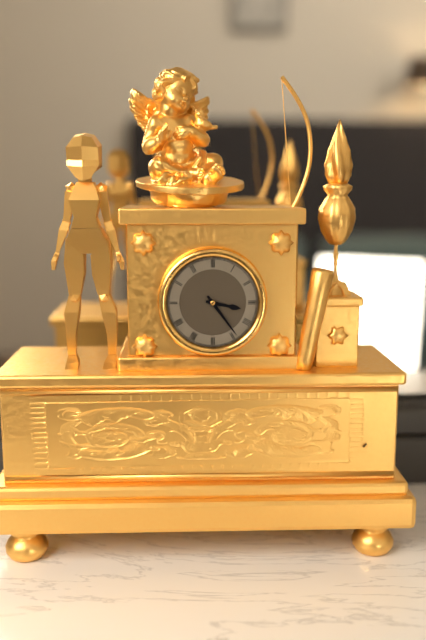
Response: **3:24**
